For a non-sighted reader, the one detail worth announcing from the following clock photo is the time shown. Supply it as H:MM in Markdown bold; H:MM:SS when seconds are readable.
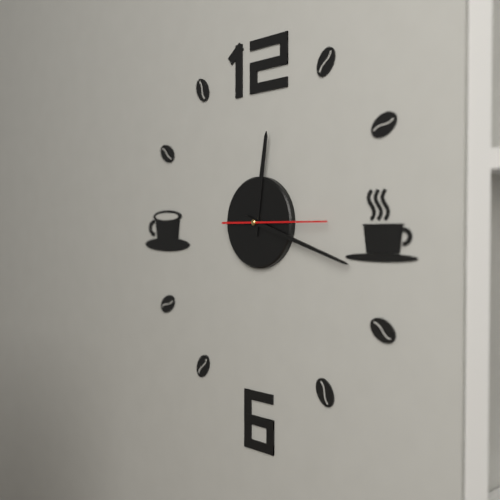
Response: **12:18:15**
